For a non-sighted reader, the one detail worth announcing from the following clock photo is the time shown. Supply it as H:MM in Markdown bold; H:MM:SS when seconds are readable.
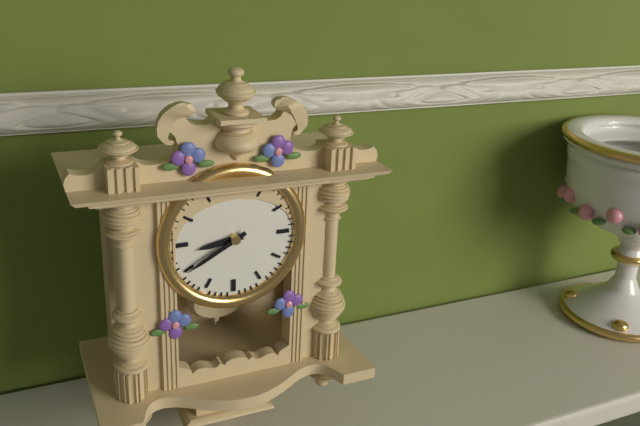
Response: **8:40**
